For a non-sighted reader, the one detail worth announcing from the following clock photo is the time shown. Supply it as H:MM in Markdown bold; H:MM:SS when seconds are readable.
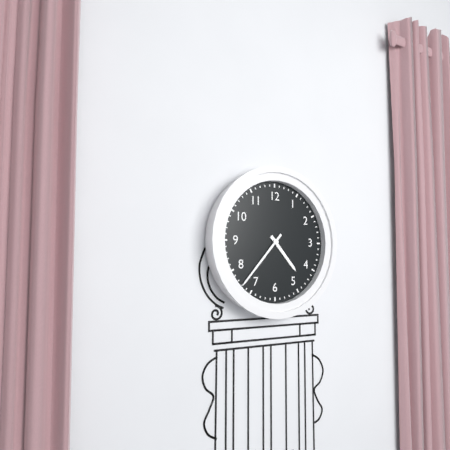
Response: **4:37**
